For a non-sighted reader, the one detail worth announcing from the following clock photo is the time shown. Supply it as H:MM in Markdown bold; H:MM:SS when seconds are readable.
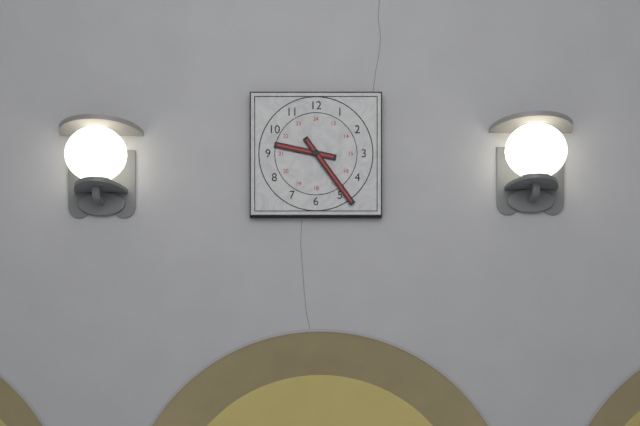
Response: **9:24**
